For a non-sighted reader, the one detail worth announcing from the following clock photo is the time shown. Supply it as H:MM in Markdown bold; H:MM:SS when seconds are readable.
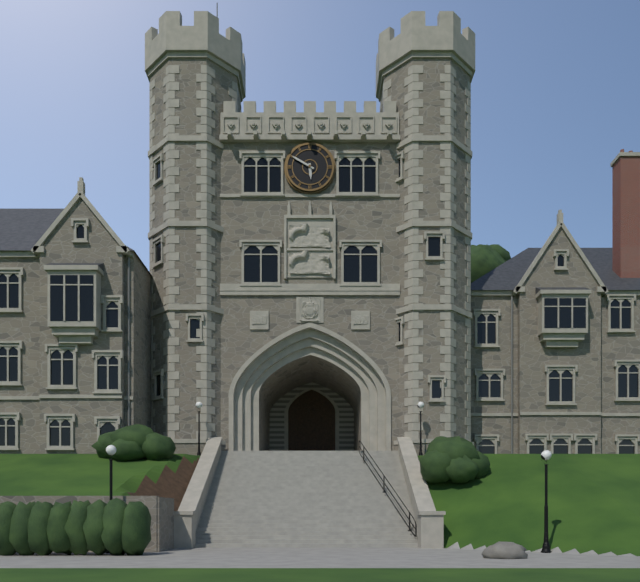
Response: **5:50**
